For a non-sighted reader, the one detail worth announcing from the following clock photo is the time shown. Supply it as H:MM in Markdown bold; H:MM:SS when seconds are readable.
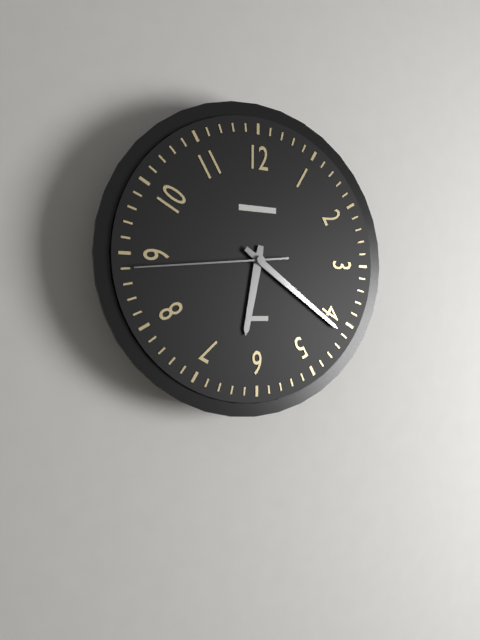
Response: **6:21:44**
